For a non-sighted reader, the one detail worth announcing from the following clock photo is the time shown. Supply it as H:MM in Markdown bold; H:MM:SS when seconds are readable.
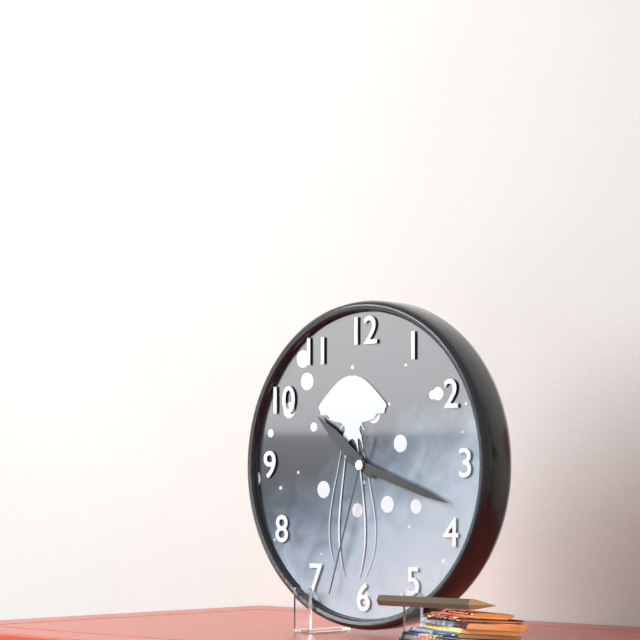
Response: **10:18:33**
